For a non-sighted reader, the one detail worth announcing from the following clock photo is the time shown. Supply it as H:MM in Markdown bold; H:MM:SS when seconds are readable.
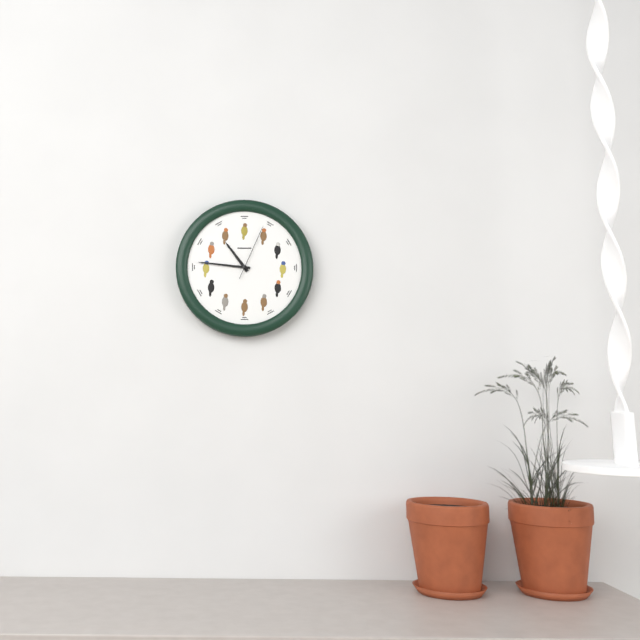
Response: **10:46:04**
